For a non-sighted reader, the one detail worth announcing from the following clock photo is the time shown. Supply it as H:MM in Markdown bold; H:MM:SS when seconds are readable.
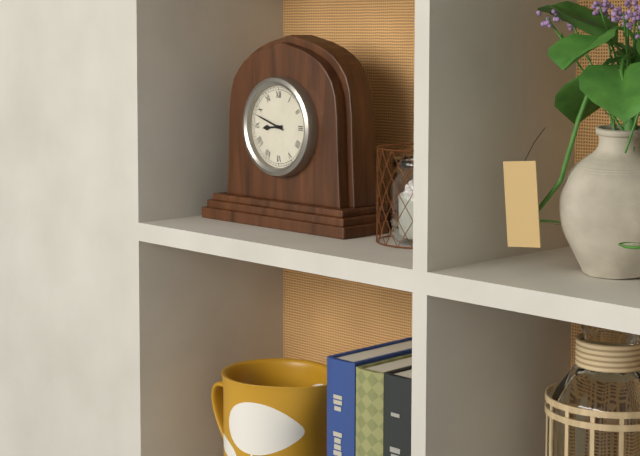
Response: **8:48**
